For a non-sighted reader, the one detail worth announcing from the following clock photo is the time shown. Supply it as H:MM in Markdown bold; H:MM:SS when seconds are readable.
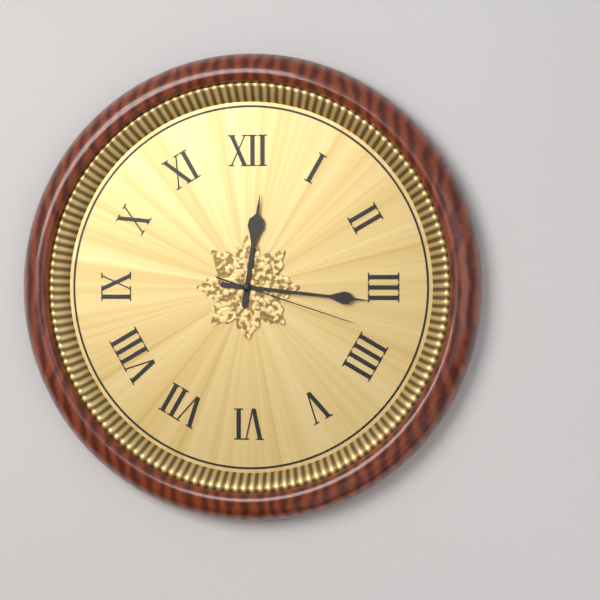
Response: **12:16:18**
